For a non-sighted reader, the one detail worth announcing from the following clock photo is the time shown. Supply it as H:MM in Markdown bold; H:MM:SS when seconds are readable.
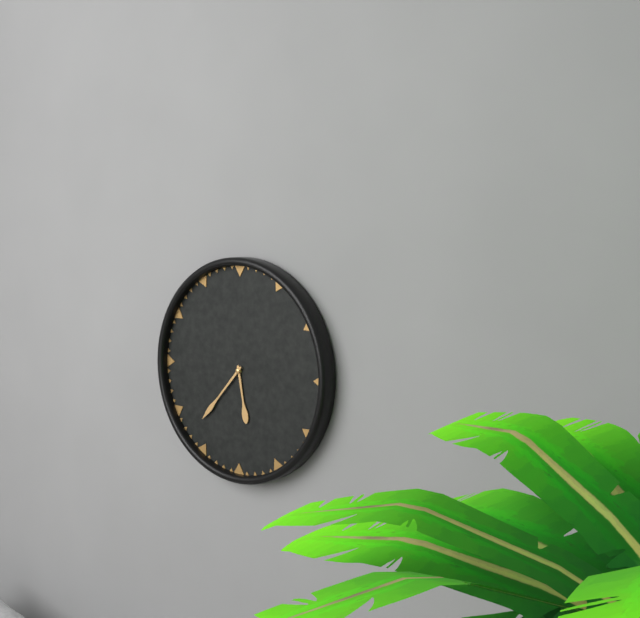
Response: **5:37**
